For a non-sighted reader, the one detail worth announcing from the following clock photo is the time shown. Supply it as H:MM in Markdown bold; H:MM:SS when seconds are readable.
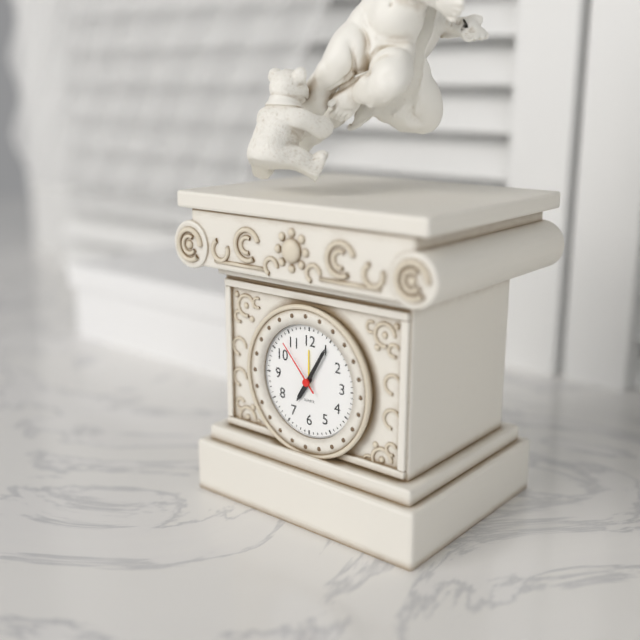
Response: **7:05:53**
